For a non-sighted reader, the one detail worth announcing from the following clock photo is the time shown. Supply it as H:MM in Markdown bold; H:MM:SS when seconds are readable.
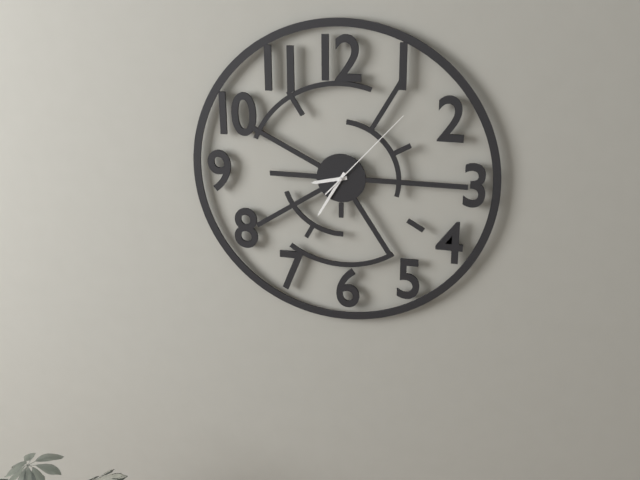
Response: **8:35:07**
